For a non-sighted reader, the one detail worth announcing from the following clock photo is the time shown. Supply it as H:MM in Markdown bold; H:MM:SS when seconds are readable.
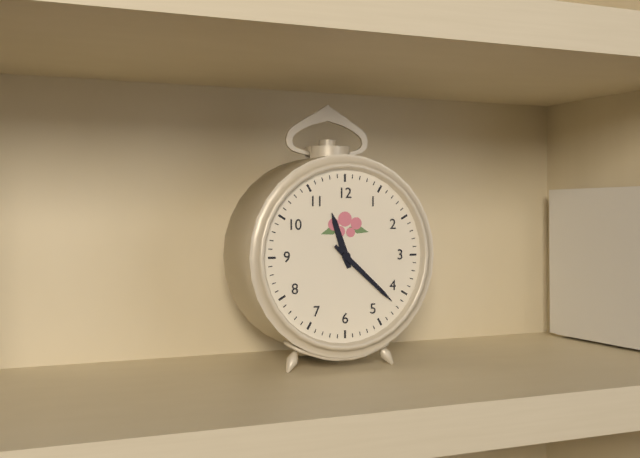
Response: **11:22**
